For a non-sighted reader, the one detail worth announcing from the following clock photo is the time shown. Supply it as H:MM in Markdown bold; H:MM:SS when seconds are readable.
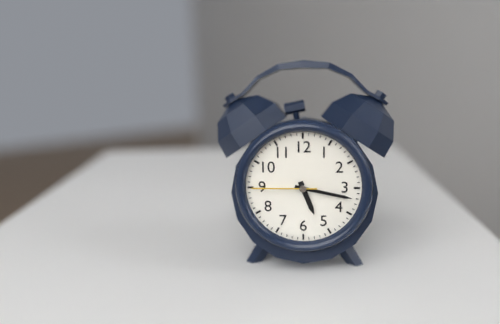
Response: **5:17:45**
